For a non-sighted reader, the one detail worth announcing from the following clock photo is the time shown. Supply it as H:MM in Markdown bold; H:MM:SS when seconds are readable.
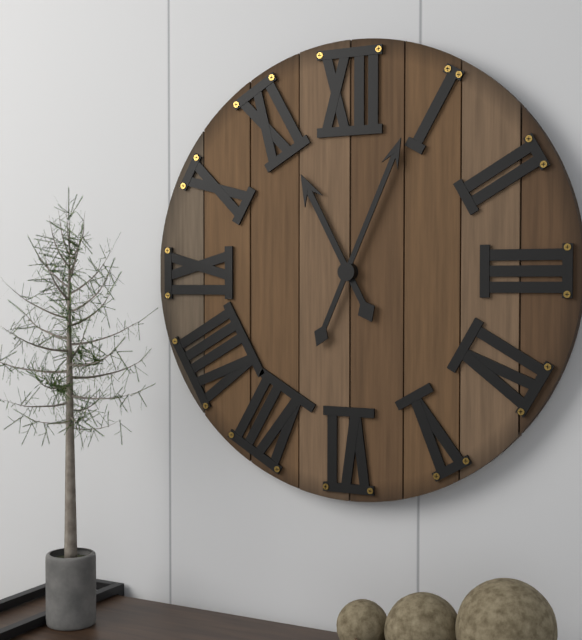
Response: **11:04**
